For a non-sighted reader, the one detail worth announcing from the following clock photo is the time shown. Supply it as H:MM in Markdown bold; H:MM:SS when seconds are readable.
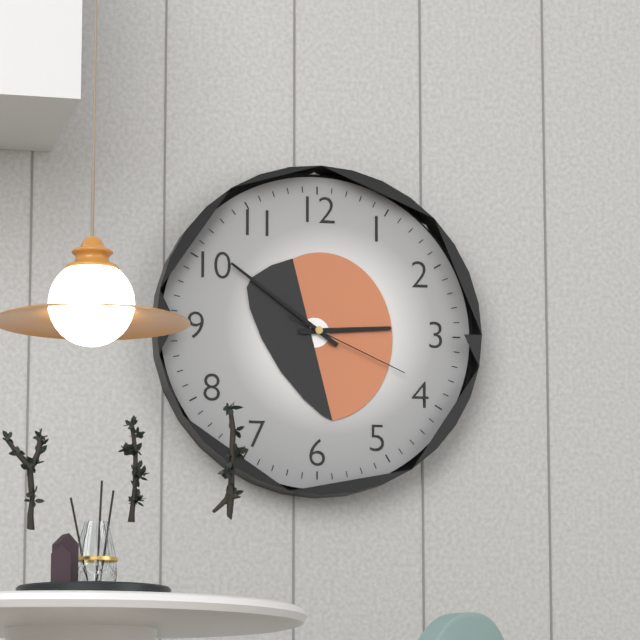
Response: **2:51:19**
